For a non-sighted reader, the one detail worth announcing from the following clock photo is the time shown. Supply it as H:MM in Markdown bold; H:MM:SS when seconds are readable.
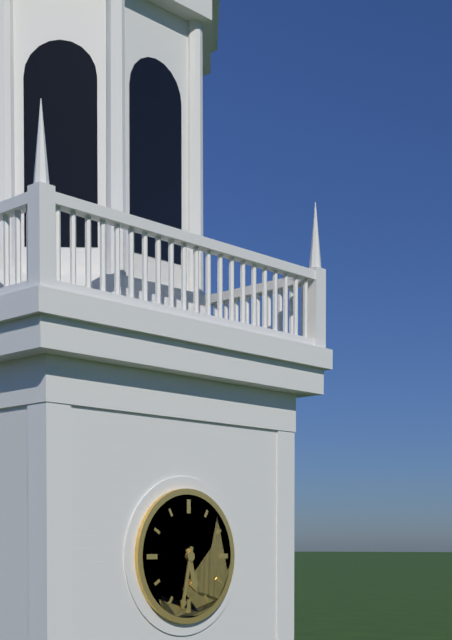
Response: **5:32**
